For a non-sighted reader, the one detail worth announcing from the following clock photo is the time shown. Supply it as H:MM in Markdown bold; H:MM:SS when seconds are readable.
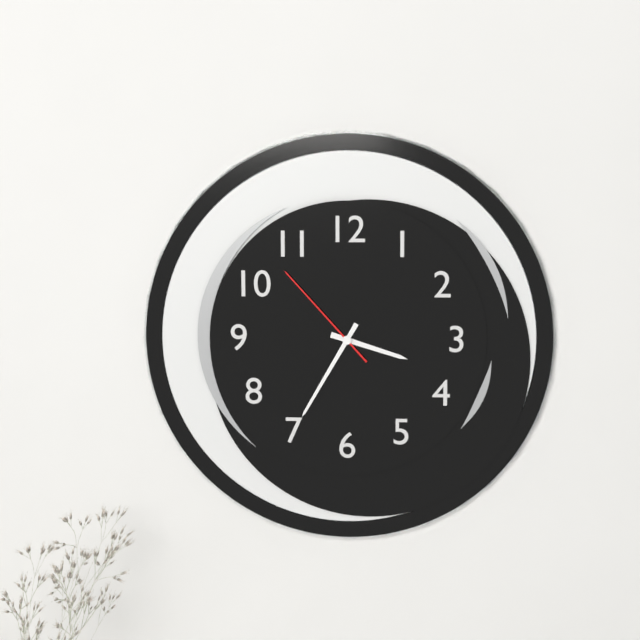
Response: **3:35:53**
